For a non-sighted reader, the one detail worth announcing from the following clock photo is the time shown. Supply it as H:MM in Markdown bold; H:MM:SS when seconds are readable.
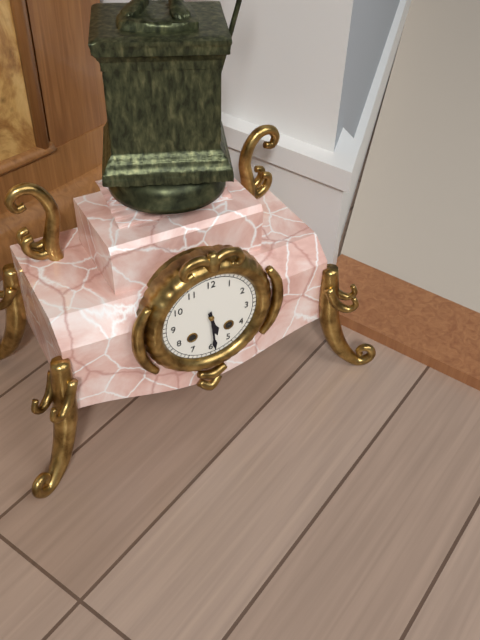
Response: **5:29**
